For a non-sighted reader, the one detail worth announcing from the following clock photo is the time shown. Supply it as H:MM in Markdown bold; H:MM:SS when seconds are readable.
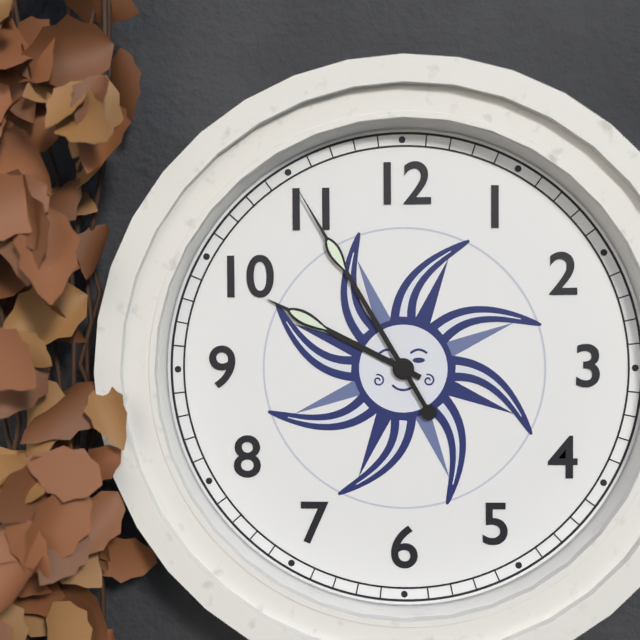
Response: **9:55**
